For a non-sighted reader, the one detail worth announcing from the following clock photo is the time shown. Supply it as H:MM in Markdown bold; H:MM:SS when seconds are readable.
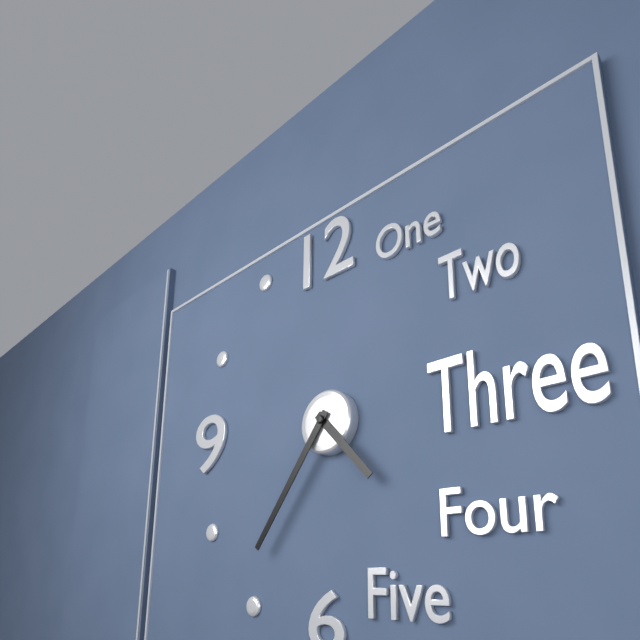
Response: **4:36**
